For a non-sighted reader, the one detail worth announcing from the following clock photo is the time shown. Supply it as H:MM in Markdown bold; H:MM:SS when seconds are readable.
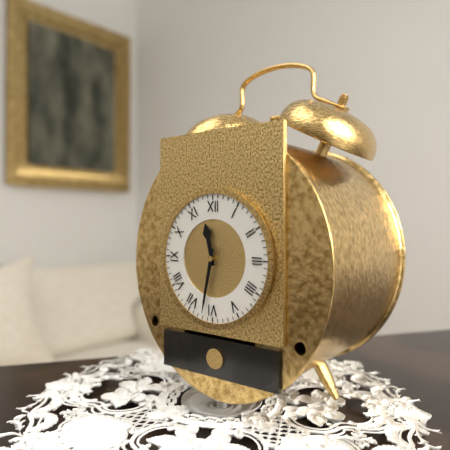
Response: **11:32**
